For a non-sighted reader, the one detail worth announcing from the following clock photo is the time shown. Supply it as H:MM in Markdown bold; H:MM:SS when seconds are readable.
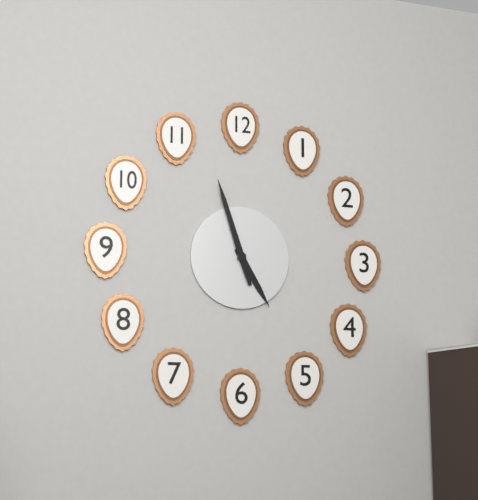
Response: **4:57**
